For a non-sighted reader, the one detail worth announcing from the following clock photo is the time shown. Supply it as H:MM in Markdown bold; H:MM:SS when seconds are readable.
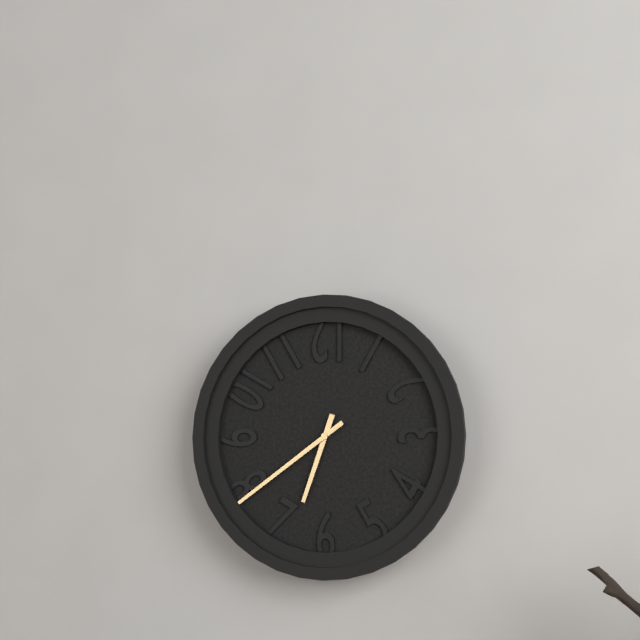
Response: **6:39**
